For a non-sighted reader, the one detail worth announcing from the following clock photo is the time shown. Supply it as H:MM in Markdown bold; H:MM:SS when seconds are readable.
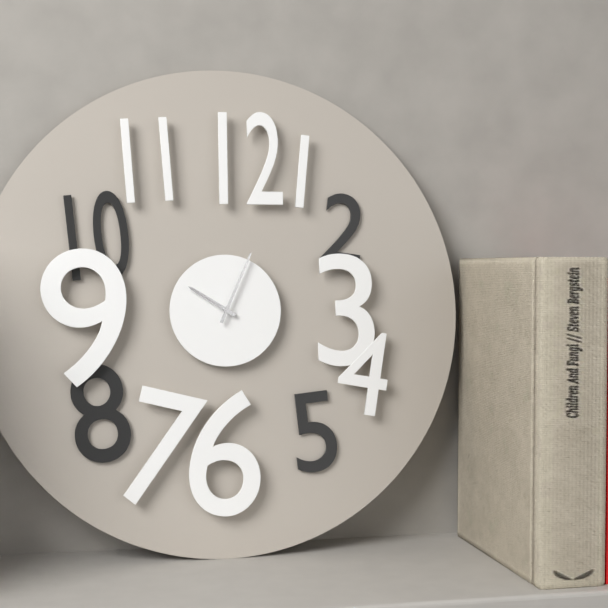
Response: **10:04**
